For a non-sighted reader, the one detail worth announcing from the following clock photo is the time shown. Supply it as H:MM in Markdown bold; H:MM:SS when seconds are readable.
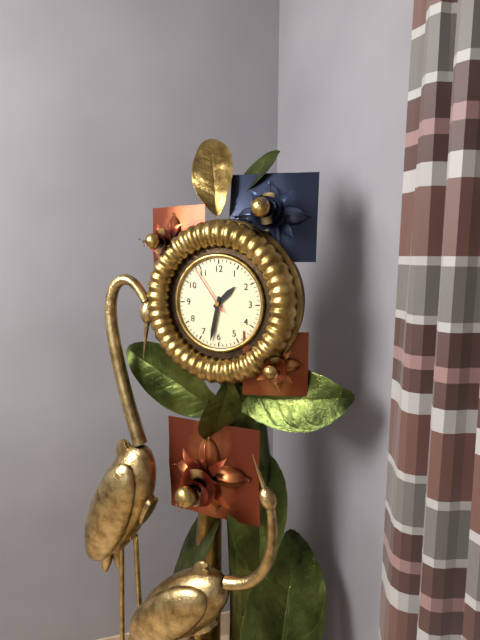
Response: **1:32:54**
